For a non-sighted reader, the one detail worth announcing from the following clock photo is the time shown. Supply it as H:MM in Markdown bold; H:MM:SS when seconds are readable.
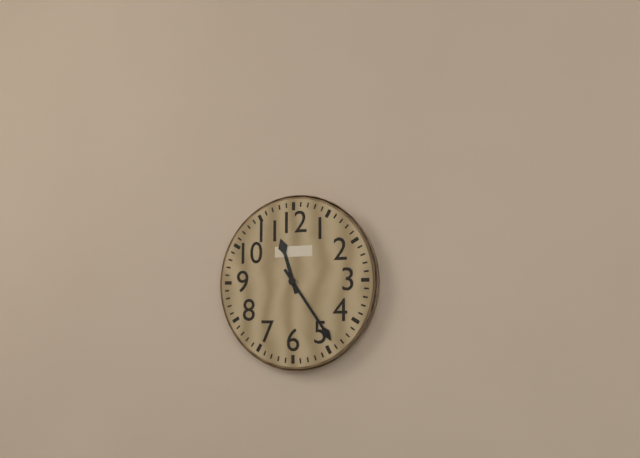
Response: **11:24**
